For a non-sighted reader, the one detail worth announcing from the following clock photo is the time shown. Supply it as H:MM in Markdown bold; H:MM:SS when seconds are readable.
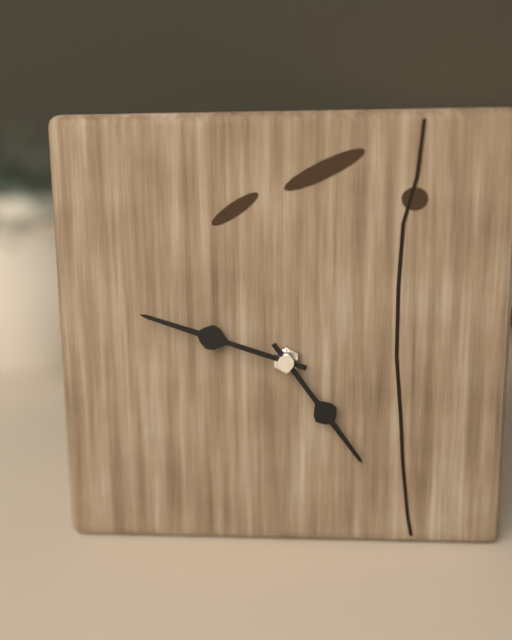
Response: **4:48**
